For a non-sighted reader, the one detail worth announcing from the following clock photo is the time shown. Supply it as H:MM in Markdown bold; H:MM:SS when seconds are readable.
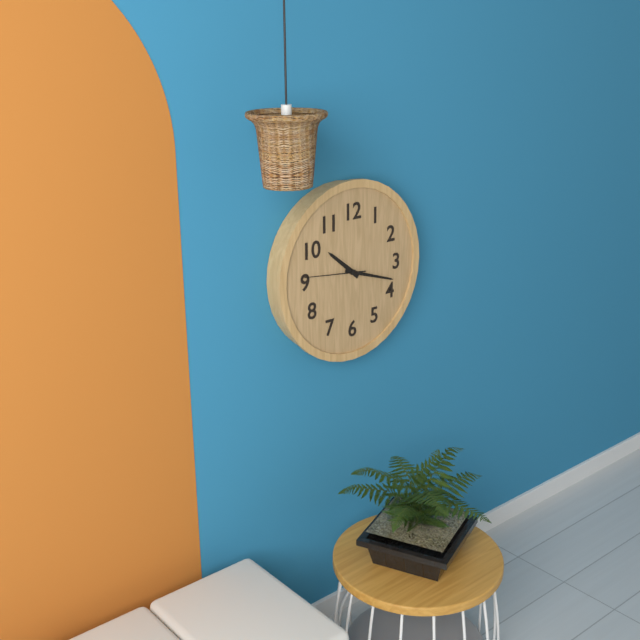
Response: **10:18:46**
